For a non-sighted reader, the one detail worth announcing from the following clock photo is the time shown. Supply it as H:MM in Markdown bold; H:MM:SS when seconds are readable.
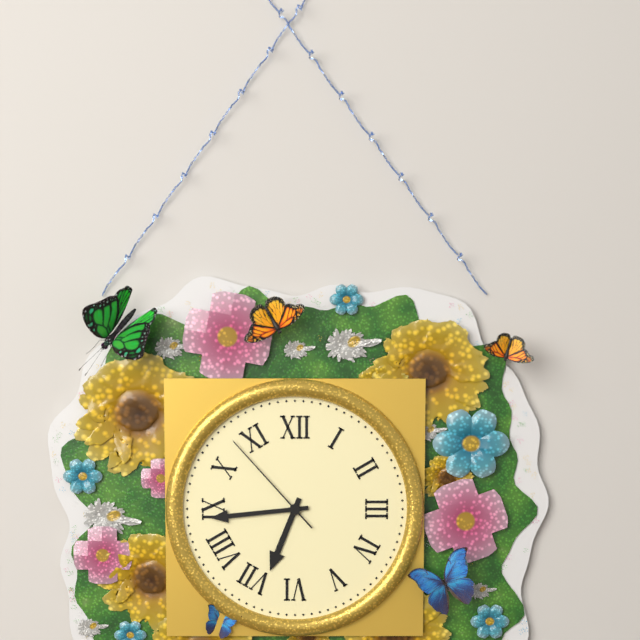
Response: **6:44:53**
